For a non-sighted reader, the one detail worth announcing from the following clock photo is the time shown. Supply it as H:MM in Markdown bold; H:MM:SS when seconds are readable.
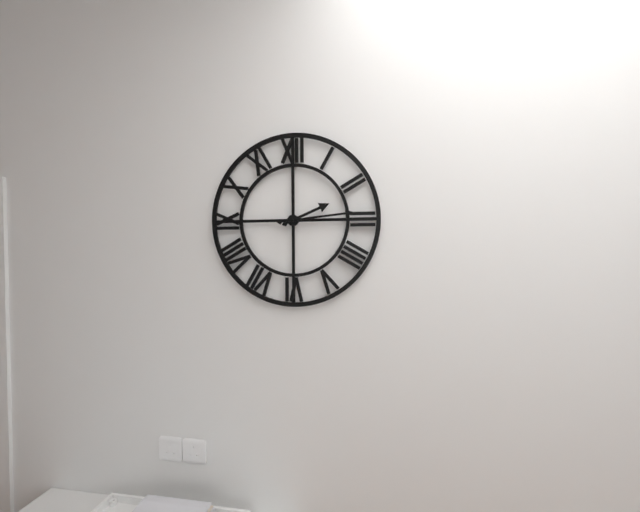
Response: **2:14**
